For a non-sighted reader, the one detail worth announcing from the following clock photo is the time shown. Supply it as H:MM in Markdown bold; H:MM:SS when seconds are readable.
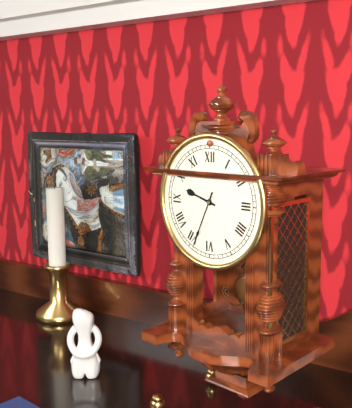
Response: **9:34**
